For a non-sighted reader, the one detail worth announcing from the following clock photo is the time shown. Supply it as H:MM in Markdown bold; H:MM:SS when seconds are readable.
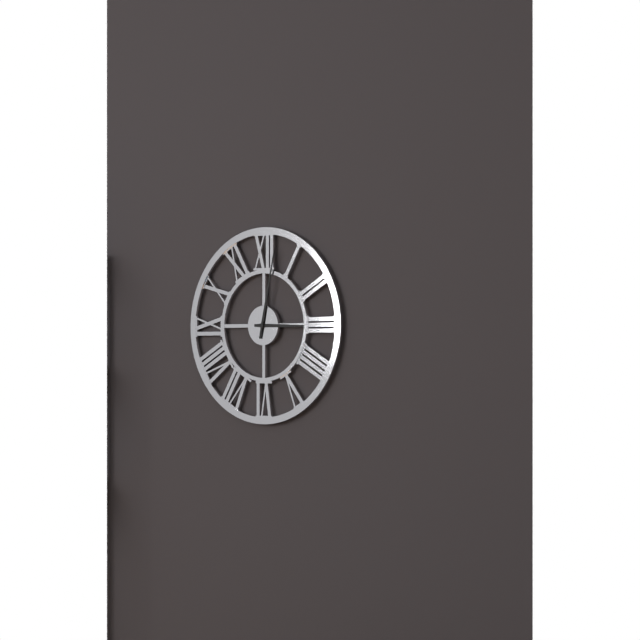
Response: **3:02**
